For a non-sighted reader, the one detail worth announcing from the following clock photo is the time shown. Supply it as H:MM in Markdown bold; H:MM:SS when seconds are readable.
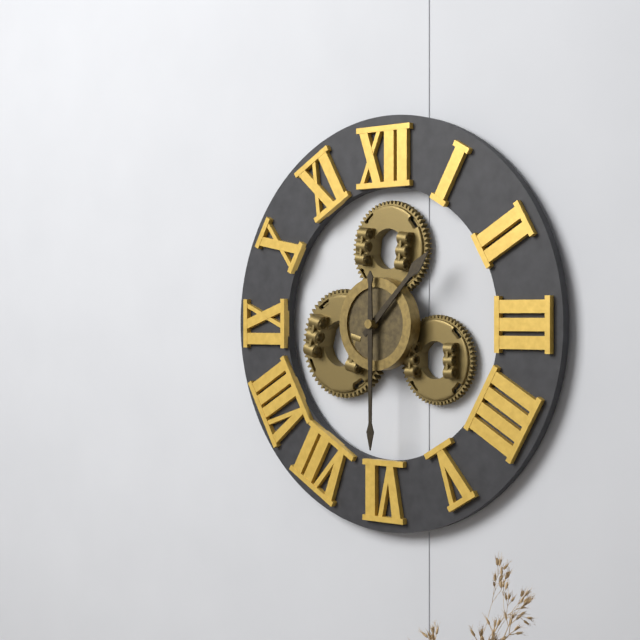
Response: **1:30**
